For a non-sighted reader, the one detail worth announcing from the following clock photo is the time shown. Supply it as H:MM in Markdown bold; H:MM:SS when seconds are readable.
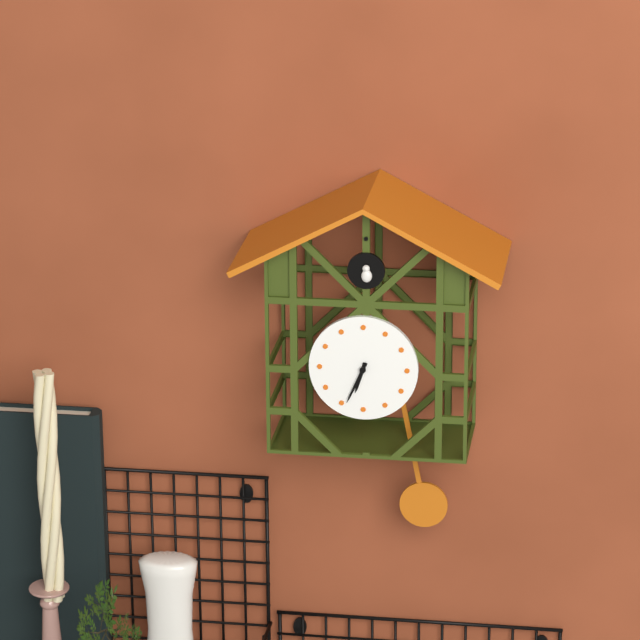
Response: **6:34**
